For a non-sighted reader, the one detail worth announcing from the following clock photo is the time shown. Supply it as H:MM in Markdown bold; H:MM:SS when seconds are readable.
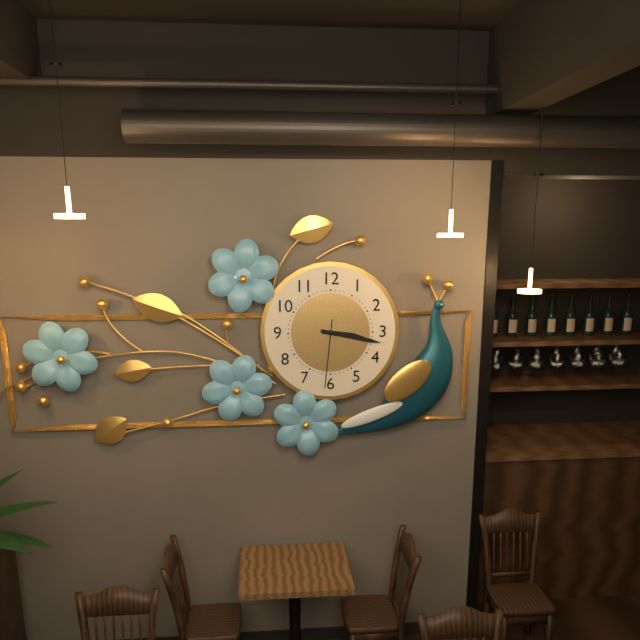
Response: **3:17:31**
